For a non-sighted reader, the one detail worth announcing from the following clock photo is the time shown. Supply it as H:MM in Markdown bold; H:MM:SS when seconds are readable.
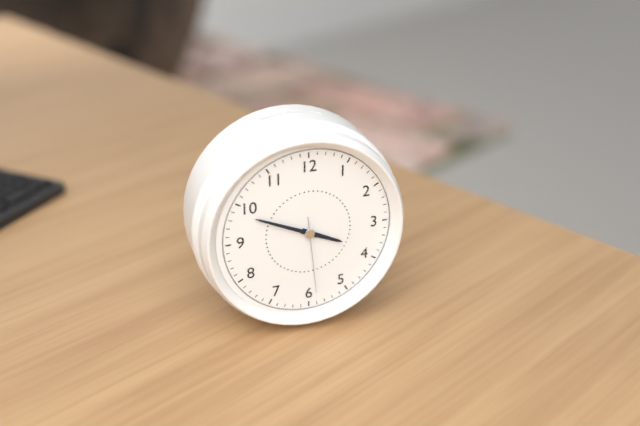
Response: **3:49:29**
